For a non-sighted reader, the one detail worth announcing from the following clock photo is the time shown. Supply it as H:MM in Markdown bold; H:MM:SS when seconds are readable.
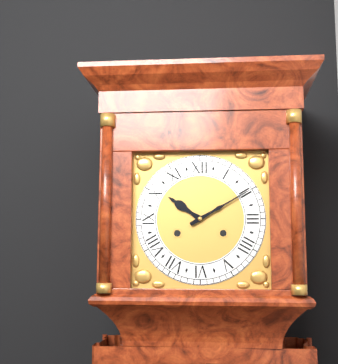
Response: **10:10**
